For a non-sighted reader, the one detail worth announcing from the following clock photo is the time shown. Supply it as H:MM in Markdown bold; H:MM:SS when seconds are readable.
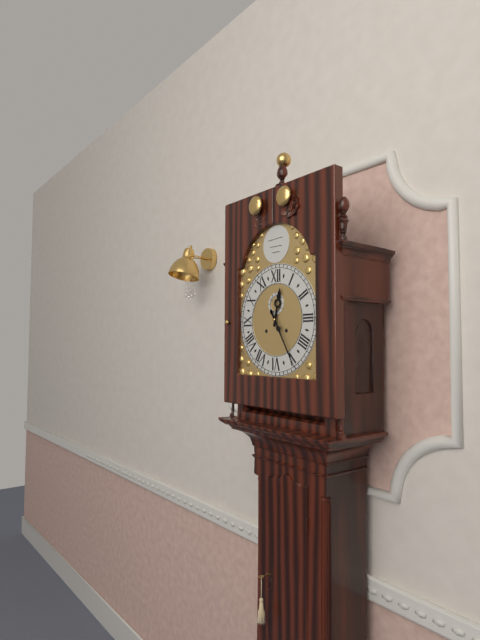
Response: **12:25**
